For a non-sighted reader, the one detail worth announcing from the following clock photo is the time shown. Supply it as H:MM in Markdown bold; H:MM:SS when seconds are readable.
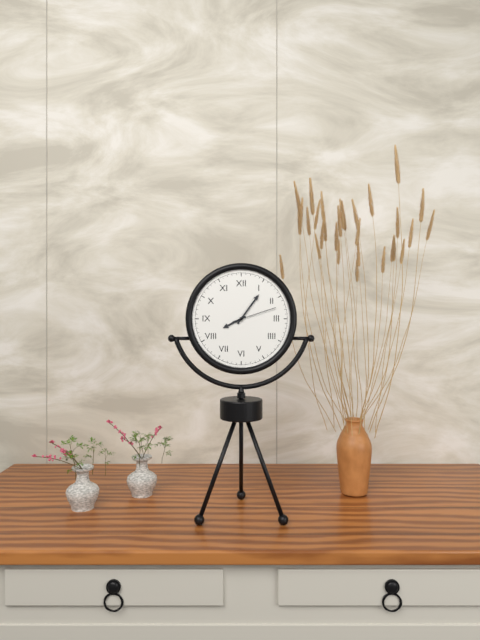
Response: **8:06**
